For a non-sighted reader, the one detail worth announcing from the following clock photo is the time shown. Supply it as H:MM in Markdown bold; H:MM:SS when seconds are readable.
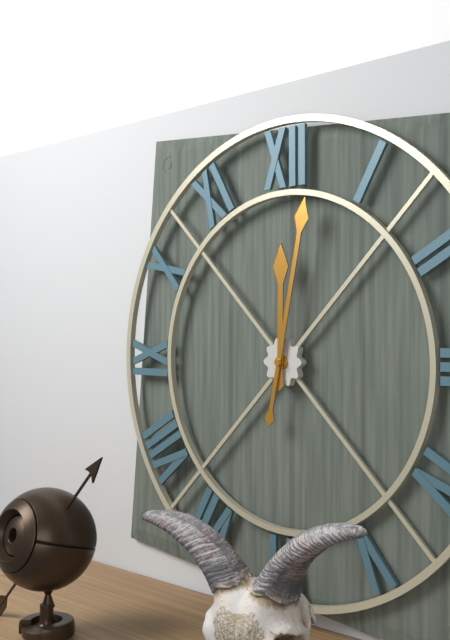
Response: **12:02**
